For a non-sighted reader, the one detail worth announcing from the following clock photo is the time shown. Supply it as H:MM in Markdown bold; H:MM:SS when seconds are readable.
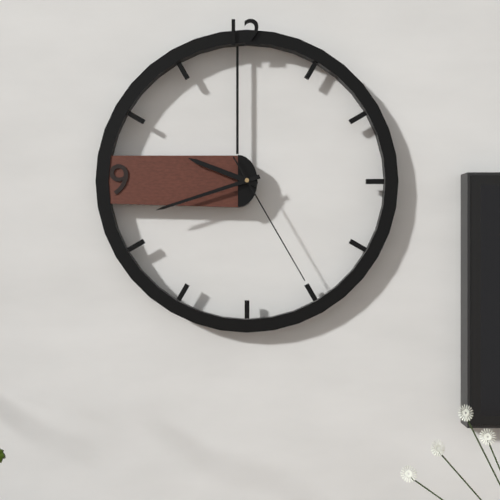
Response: **9:42:25**
